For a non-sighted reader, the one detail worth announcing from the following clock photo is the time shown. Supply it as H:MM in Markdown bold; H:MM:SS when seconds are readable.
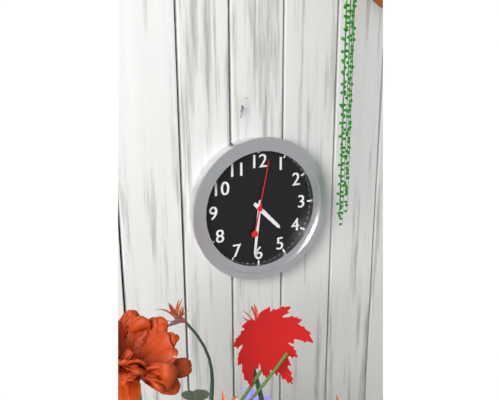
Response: **4:31:02**
